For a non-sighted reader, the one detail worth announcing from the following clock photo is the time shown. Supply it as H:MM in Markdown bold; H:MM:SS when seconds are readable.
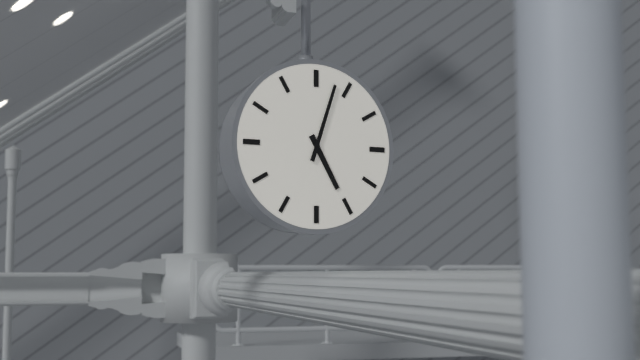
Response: **5:03**
